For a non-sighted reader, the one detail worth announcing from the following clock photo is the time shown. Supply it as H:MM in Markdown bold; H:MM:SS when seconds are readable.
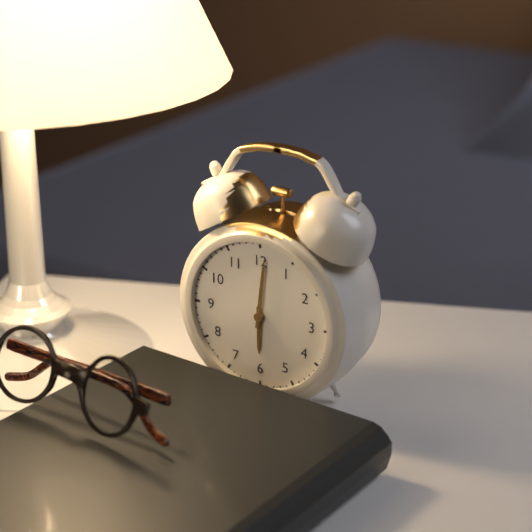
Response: **6:01**
